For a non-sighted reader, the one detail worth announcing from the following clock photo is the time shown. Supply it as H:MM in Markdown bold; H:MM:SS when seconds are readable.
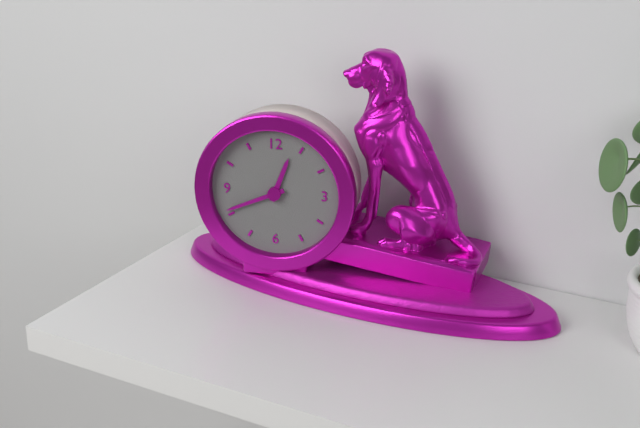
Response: **12:41**
